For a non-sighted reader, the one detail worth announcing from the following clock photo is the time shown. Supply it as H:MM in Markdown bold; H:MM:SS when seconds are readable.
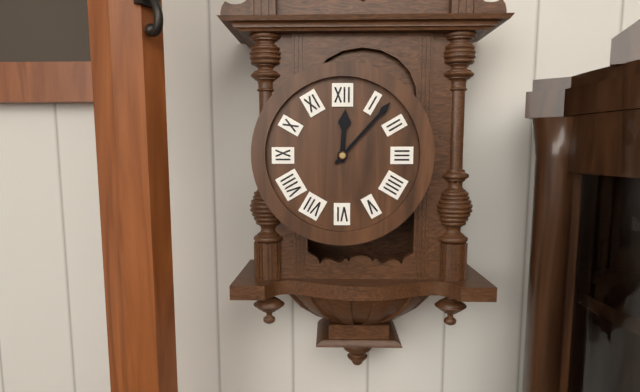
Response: **12:07**
